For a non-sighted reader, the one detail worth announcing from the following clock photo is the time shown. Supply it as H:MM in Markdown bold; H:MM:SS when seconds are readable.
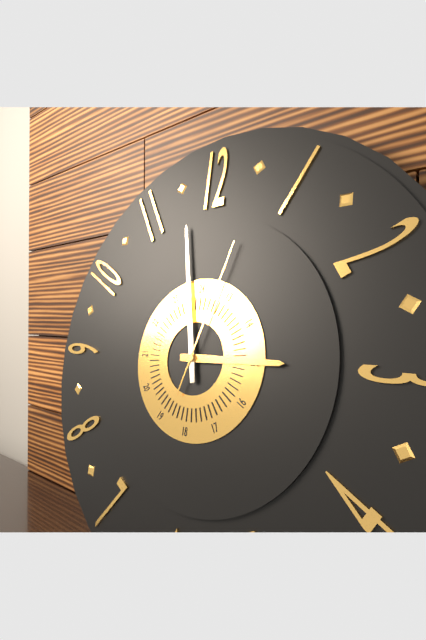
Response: **2:58:03**
